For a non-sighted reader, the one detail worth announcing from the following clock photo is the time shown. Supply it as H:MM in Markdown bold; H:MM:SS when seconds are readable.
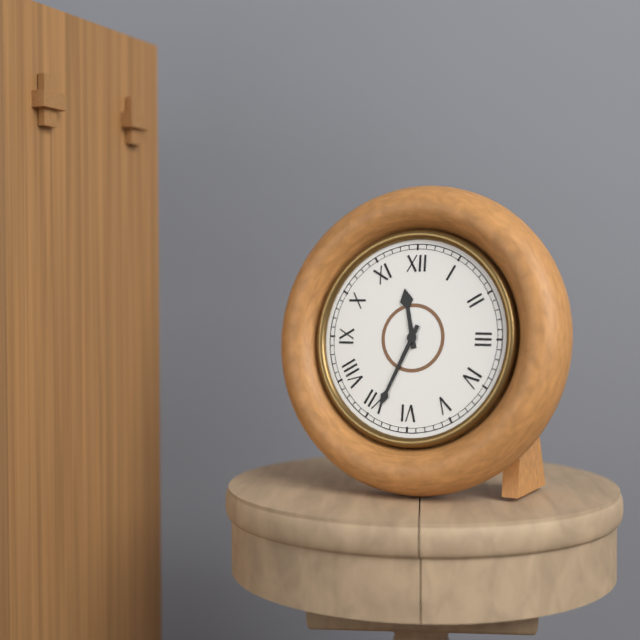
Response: **11:34**
